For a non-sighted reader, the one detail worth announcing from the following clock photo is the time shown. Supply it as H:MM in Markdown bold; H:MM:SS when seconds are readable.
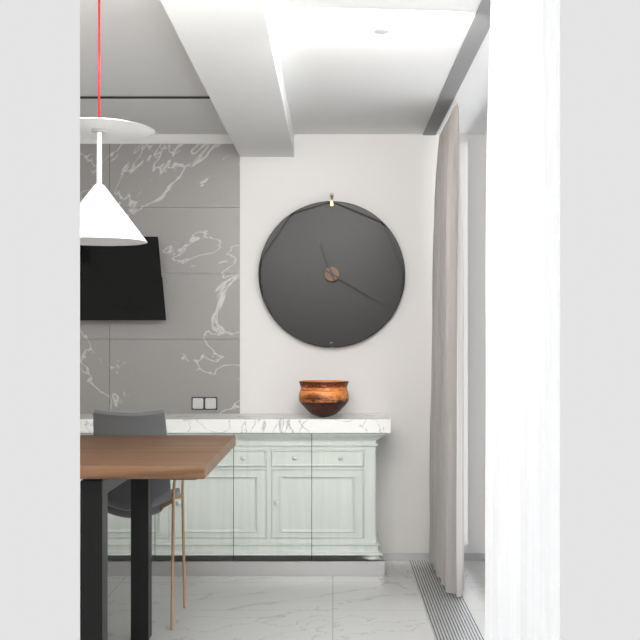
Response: **11:20**
